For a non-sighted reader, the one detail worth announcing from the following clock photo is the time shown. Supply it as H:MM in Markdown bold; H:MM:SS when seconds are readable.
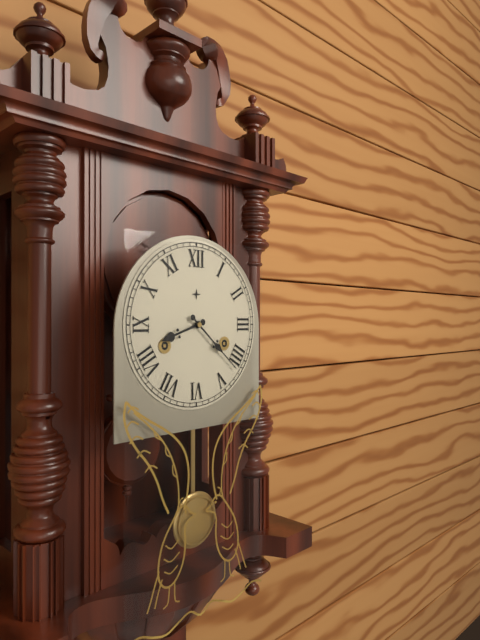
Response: **8:22**
